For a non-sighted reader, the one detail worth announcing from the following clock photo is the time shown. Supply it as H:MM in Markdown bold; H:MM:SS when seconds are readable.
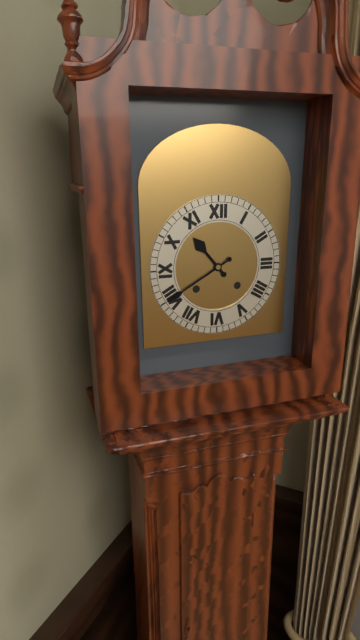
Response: **10:40**
